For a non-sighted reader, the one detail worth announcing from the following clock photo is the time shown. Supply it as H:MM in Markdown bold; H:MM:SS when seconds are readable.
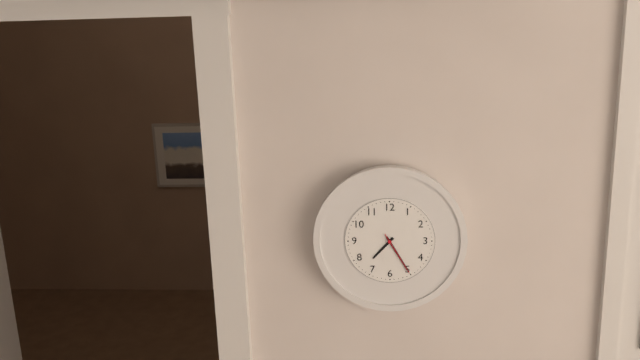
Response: **7:25**
